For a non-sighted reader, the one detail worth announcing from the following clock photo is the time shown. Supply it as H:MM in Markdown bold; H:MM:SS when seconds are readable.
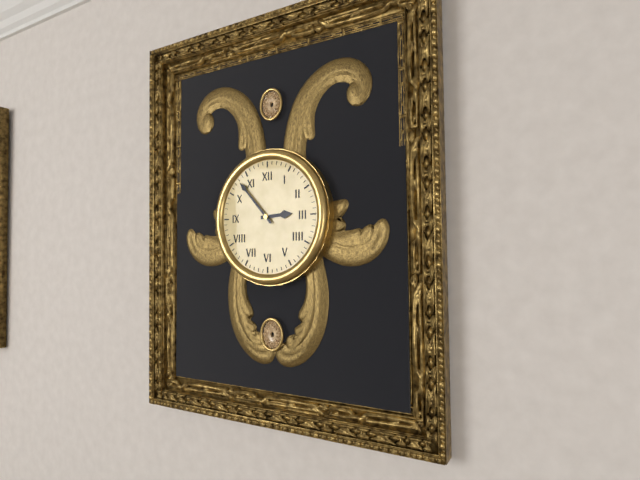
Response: **2:53**
